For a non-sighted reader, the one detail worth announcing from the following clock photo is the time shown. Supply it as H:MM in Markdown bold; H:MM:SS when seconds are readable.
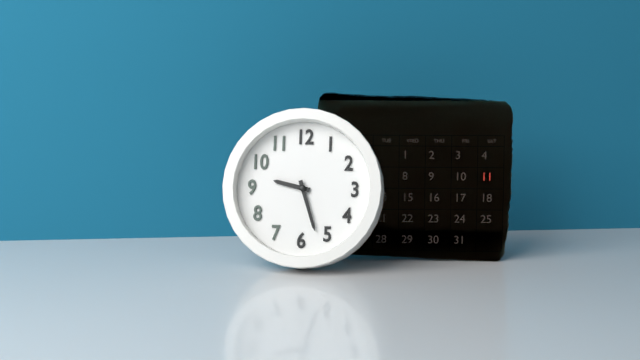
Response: **9:27**
